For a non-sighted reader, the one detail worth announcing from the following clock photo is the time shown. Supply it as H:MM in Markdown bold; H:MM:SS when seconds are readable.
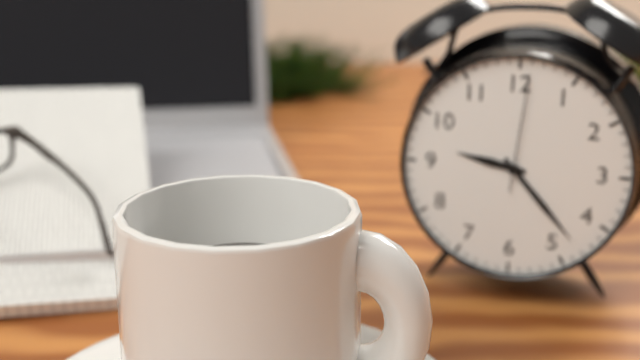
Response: **9:23:01**
